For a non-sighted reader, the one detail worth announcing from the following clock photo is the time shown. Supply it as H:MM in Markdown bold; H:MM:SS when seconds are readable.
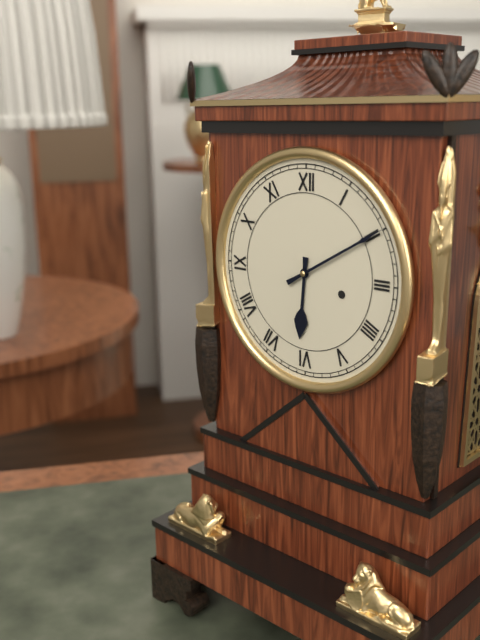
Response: **6:10**
